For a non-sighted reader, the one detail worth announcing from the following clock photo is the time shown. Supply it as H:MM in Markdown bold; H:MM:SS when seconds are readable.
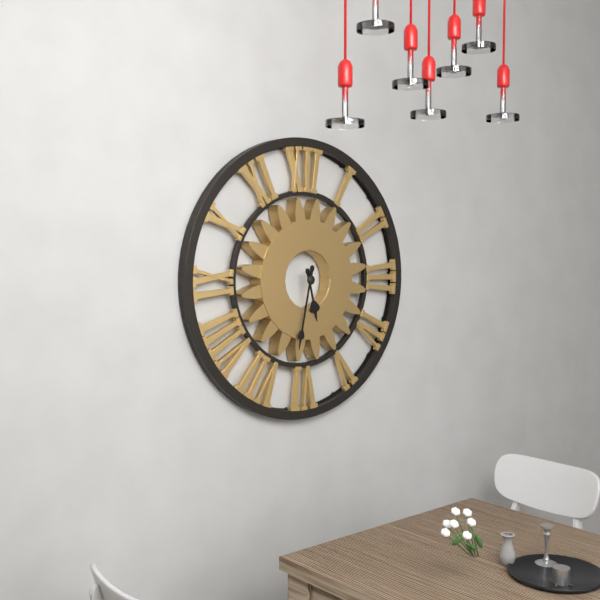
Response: **5:32**
